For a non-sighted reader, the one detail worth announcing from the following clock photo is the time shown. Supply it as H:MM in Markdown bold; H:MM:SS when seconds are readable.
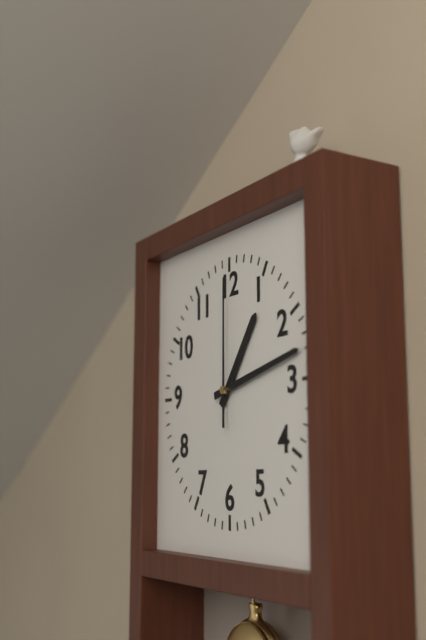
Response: **1:13:00**
